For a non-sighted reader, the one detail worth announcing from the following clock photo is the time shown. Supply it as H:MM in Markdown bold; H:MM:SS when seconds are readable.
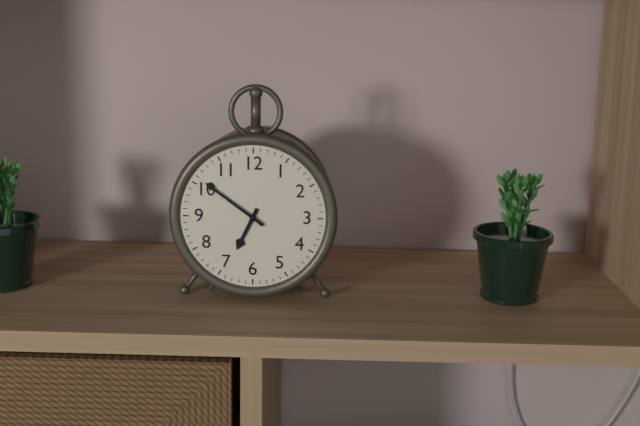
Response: **6:51**
